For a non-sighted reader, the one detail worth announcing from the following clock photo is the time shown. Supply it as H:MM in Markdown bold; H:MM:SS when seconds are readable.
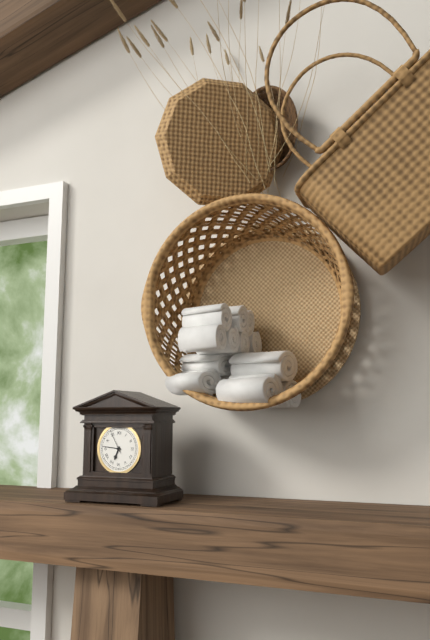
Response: **6:46**
